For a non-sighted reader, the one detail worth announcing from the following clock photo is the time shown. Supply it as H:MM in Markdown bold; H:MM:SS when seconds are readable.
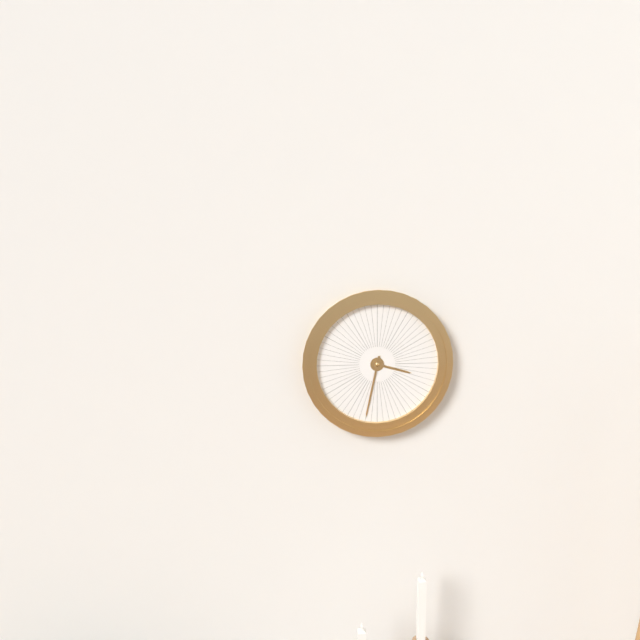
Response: **3:32**
